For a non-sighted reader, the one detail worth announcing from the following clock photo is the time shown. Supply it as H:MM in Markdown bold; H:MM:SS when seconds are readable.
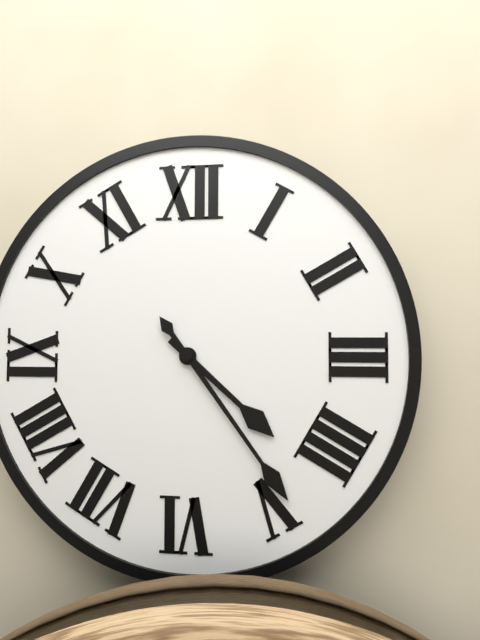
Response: **4:24**
